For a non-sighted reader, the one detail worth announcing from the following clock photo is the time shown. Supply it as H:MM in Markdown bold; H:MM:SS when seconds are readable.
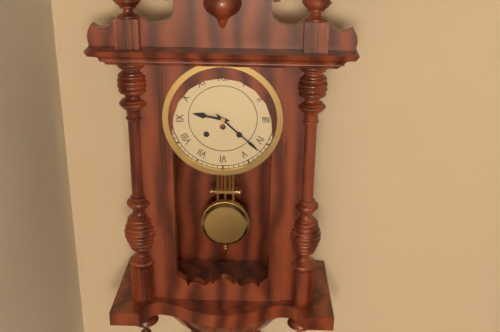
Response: **9:22**
